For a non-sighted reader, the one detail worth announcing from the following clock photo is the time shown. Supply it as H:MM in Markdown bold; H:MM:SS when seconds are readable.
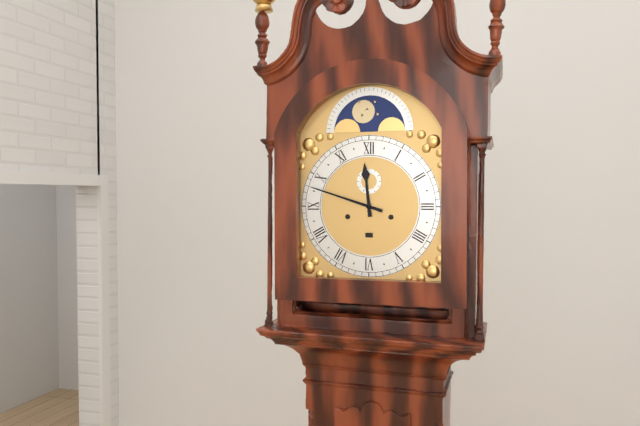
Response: **11:48**
